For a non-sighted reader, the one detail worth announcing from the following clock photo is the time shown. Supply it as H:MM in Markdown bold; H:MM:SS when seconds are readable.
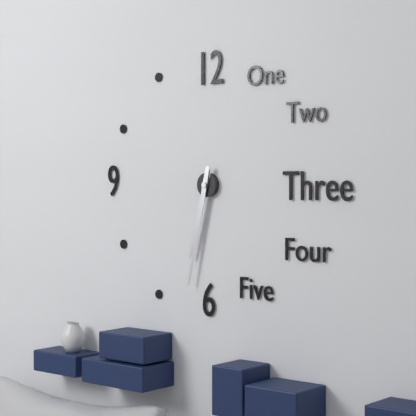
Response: **6:32**
